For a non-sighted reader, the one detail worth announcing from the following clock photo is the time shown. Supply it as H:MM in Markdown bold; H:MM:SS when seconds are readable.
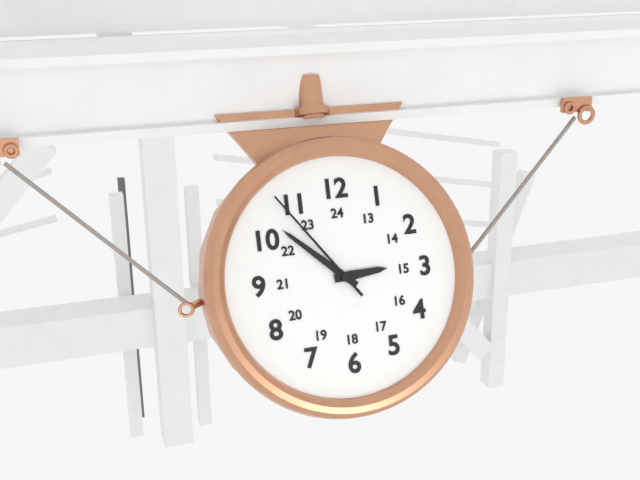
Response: **2:52:54**
